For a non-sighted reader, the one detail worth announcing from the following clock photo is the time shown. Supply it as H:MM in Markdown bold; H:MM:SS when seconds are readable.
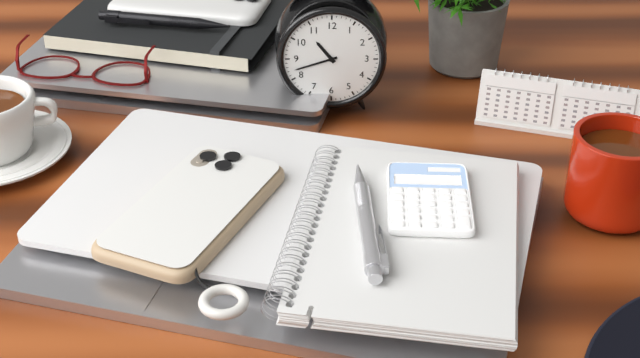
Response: **10:42**
